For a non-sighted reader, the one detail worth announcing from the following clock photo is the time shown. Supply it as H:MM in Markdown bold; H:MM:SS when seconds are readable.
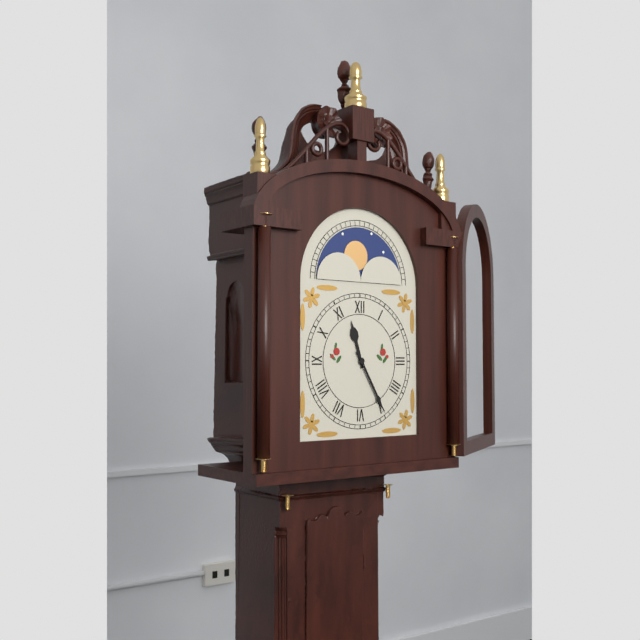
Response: **11:25**
